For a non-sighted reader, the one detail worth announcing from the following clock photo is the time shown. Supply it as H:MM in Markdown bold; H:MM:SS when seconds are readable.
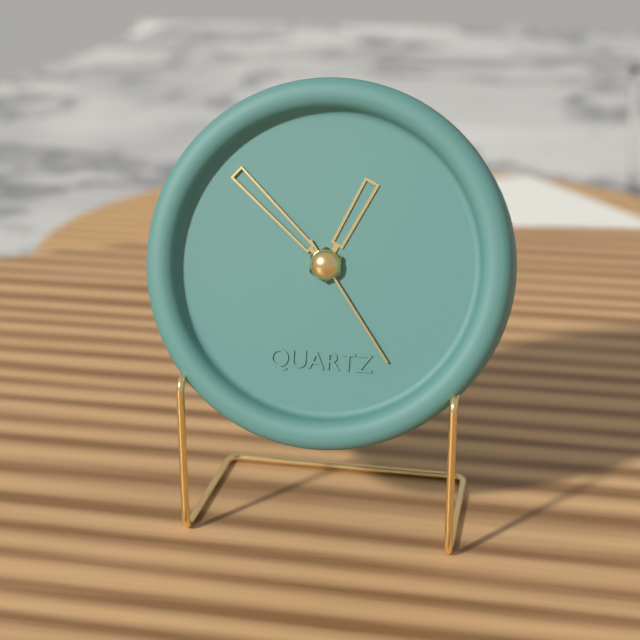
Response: **12:52:24**
